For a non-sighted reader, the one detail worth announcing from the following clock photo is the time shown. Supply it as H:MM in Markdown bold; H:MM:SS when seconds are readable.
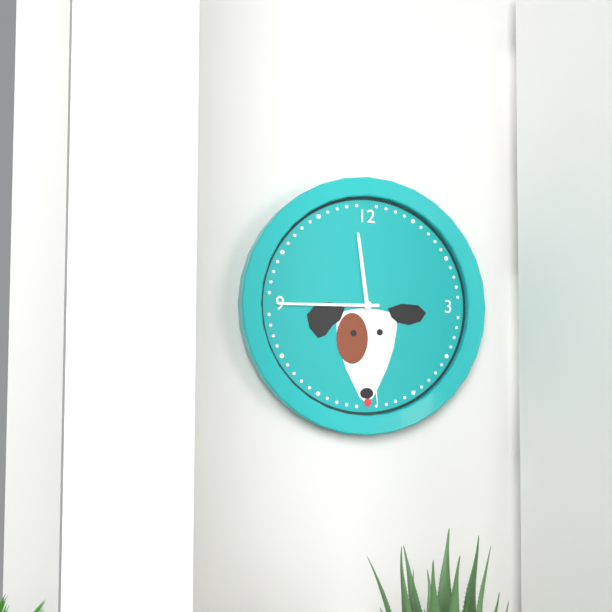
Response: **11:45:29**
